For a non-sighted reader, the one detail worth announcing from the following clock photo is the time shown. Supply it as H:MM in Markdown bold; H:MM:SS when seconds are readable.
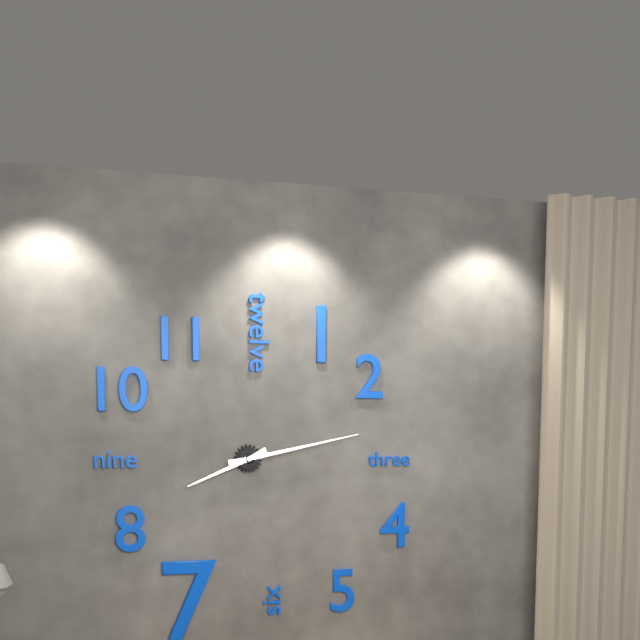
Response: **8:13**
